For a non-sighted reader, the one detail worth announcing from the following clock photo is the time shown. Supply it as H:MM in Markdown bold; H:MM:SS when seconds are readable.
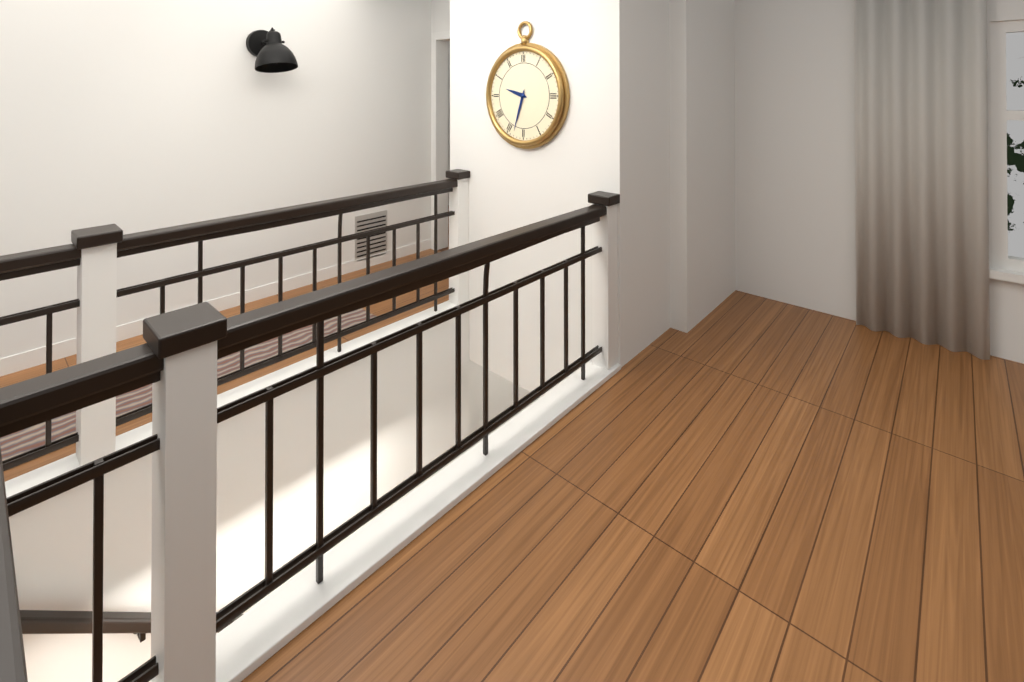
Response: **9:33**
